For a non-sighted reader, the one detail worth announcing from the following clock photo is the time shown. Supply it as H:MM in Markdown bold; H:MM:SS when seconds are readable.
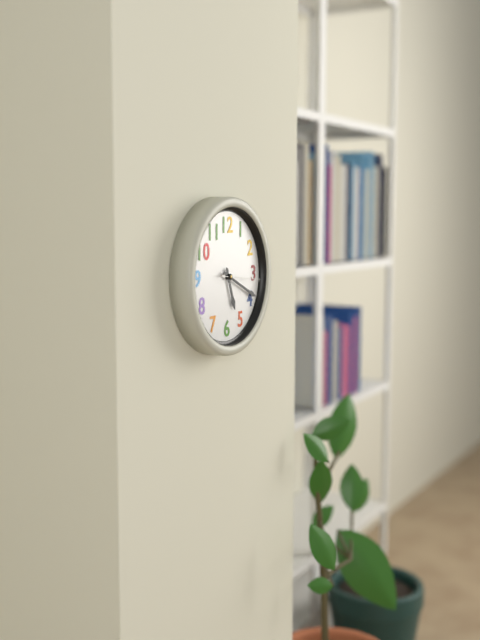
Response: **5:19:16**
